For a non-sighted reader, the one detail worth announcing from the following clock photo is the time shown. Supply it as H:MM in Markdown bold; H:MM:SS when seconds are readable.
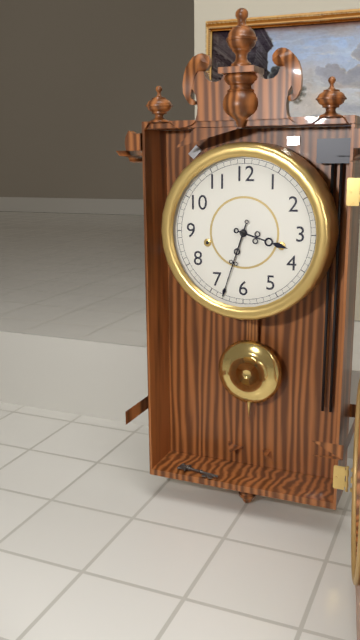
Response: **3:33**
